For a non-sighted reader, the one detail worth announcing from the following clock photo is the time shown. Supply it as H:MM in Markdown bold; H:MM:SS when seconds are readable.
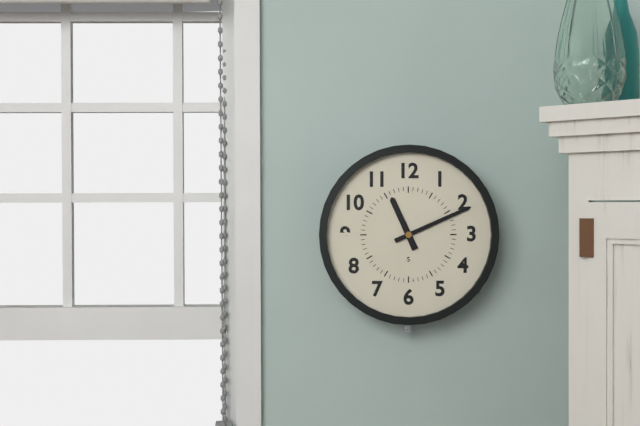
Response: **11:11**
